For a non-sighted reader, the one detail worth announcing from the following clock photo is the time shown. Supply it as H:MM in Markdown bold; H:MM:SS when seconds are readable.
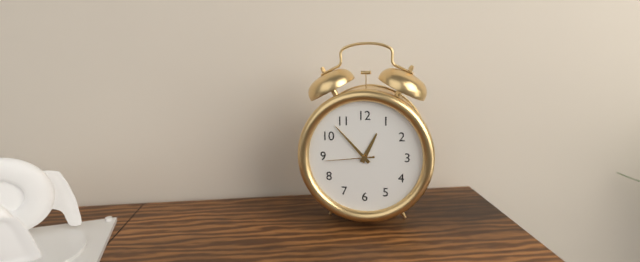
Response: **12:53:44**
